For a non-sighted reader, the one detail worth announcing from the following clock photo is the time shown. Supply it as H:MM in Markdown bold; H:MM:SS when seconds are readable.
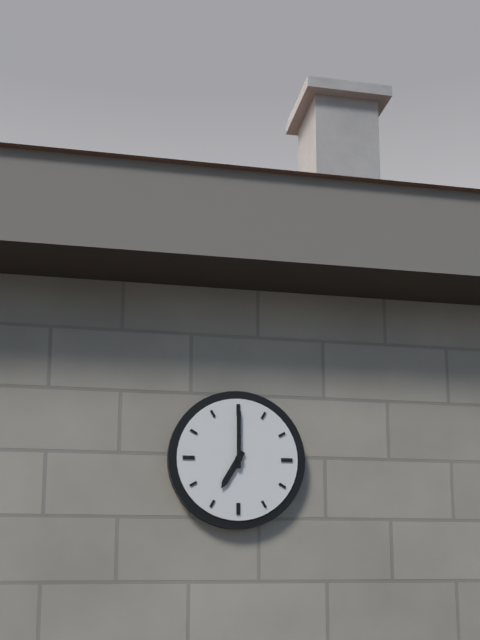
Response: **7:00**
